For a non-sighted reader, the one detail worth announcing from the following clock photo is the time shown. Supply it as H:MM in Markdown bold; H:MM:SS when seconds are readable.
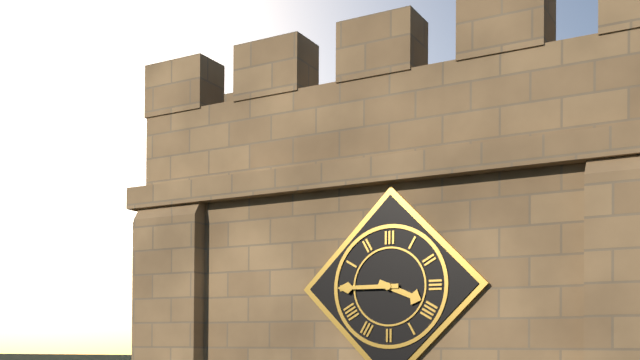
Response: **3:45**
